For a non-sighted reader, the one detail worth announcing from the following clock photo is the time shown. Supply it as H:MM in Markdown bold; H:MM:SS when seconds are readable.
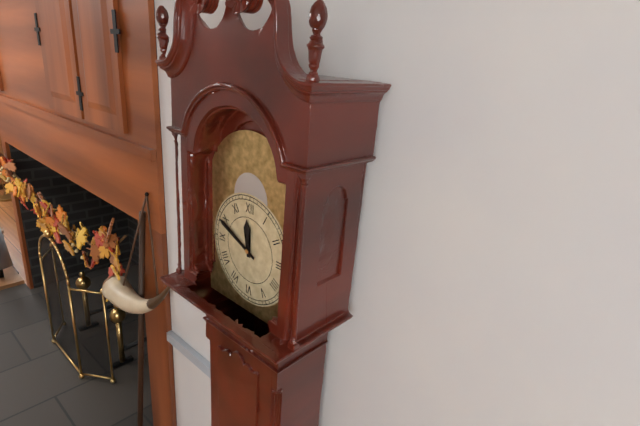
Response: **11:49**
